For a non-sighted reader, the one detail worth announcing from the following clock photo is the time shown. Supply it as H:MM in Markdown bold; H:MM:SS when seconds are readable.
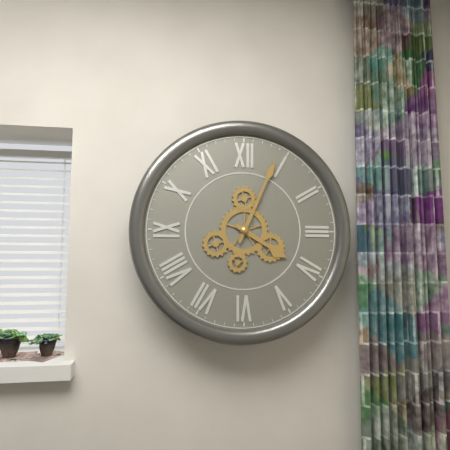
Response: **4:04**
